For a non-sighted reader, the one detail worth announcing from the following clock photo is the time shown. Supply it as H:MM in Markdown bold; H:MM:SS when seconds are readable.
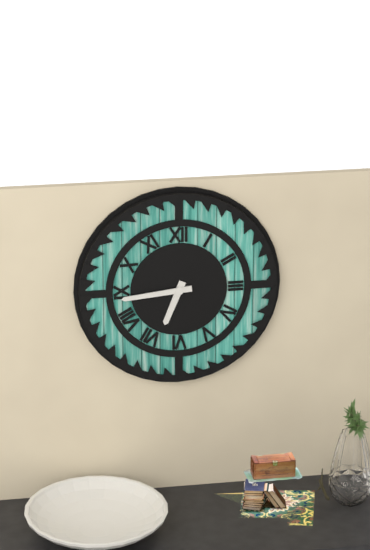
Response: **6:44**
